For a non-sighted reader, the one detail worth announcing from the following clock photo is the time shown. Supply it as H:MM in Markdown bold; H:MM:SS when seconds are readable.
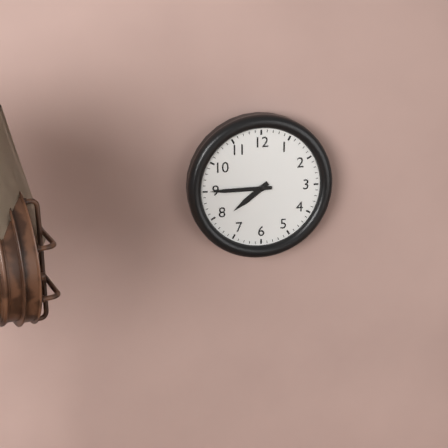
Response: **7:45**
